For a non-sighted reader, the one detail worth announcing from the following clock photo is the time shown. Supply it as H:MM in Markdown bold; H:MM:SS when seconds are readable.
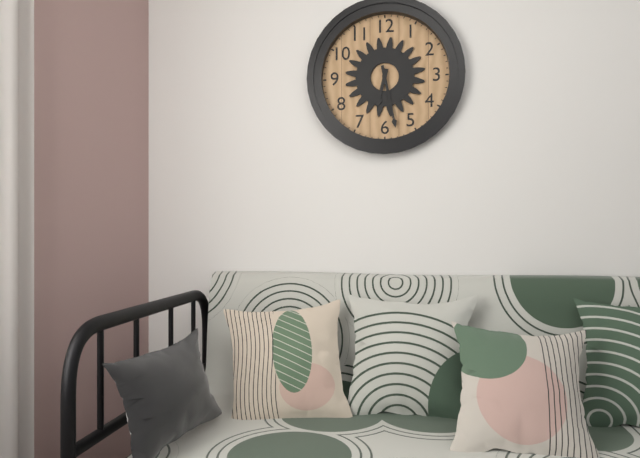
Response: **6:28**
